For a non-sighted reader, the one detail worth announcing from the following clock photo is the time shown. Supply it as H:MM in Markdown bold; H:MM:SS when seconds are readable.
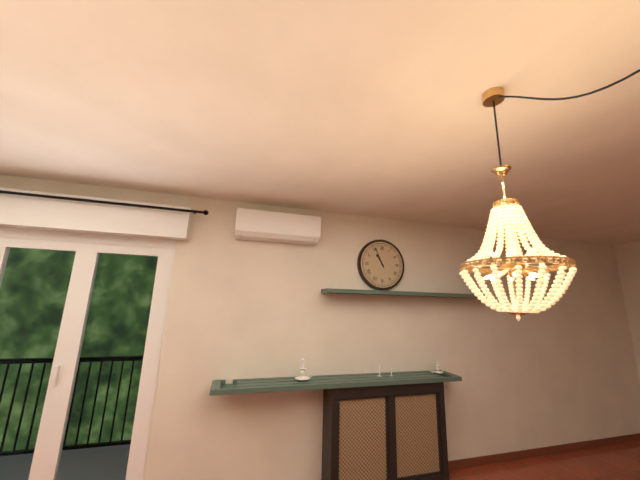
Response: **10:56**
